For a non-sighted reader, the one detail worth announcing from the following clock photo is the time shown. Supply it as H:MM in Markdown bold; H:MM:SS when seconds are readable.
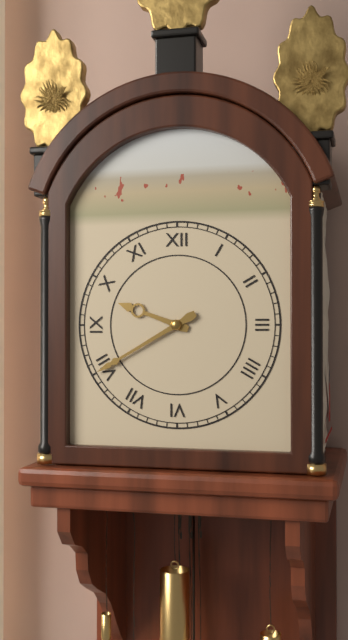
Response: **9:40**
